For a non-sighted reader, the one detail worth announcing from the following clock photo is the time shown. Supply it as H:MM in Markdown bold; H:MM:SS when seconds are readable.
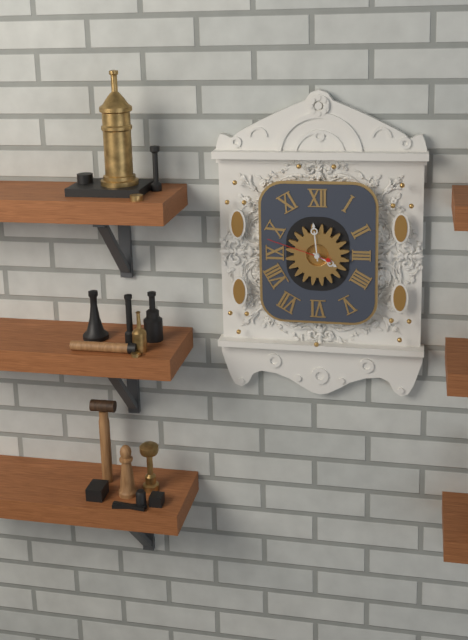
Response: **3:59:48**
